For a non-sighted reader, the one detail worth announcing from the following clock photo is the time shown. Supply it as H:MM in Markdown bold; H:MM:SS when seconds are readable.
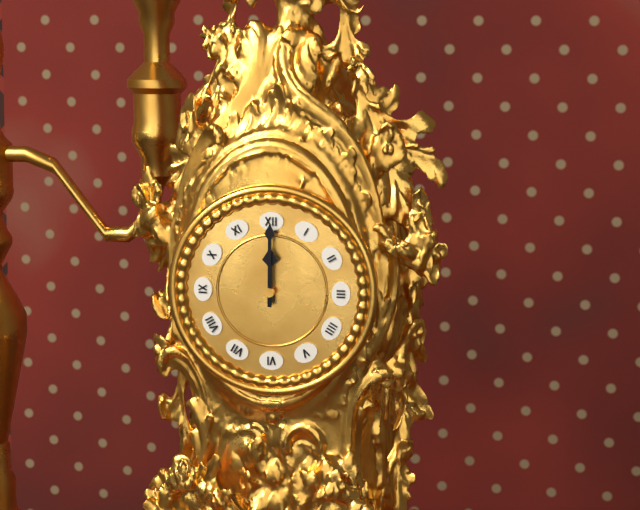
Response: **12:00**
